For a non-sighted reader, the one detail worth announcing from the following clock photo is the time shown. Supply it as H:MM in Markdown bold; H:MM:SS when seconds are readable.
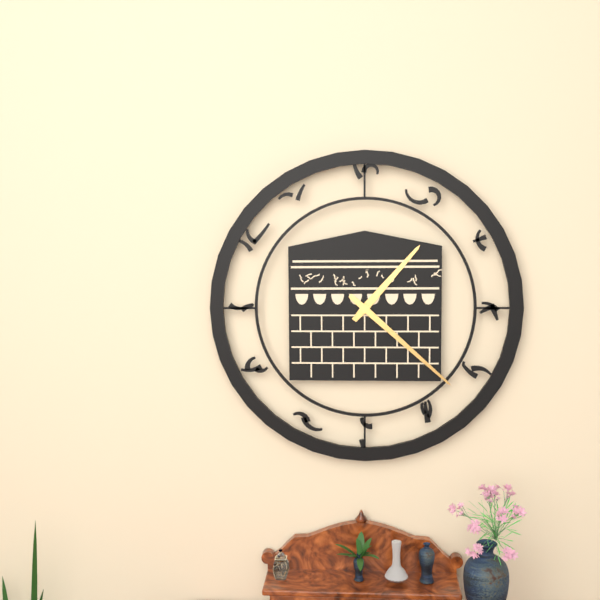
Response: **1:22**
